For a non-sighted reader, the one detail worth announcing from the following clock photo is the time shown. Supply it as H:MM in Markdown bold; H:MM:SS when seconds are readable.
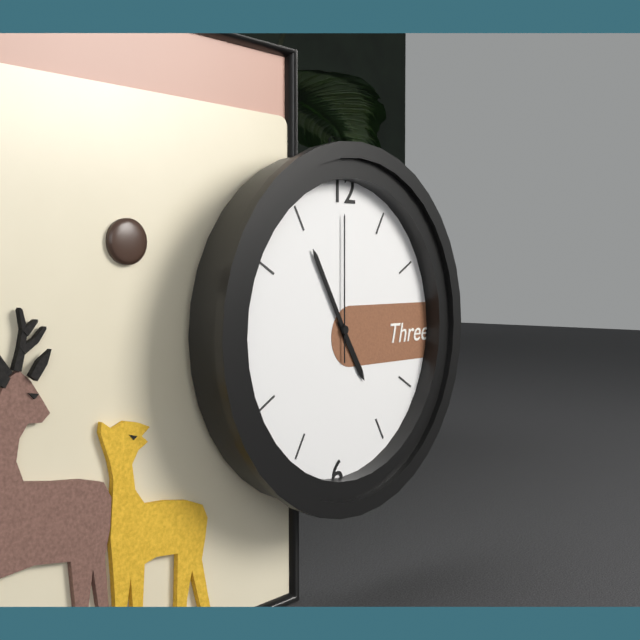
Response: **4:55:00**
